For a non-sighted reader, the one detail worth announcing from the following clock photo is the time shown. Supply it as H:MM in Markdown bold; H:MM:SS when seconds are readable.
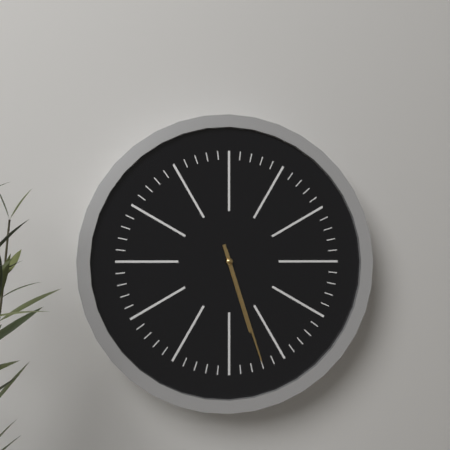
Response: **5:27**
